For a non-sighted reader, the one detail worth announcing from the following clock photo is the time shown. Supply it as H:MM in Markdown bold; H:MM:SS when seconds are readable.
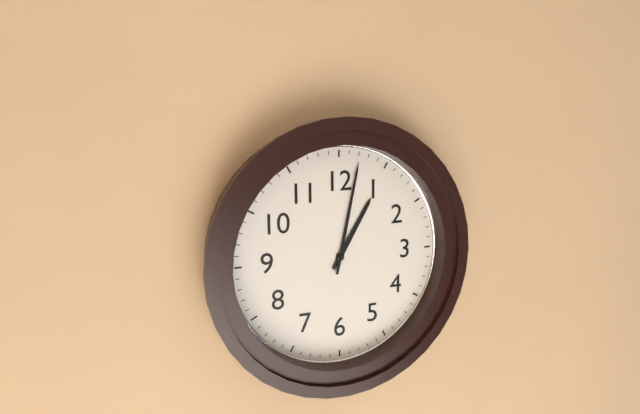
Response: **1:02**
